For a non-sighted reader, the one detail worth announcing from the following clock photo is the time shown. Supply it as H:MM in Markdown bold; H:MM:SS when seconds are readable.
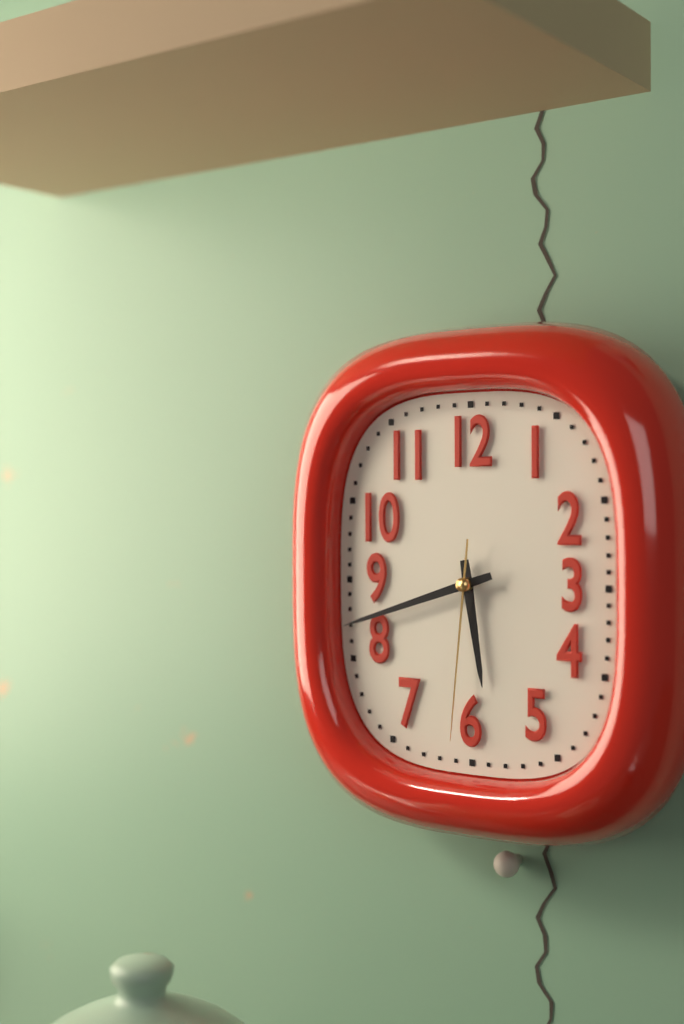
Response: **5:42:31**
